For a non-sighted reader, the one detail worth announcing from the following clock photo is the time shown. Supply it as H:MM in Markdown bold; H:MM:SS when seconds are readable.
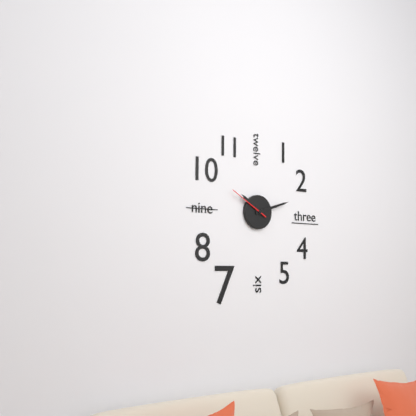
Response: **10:12**
